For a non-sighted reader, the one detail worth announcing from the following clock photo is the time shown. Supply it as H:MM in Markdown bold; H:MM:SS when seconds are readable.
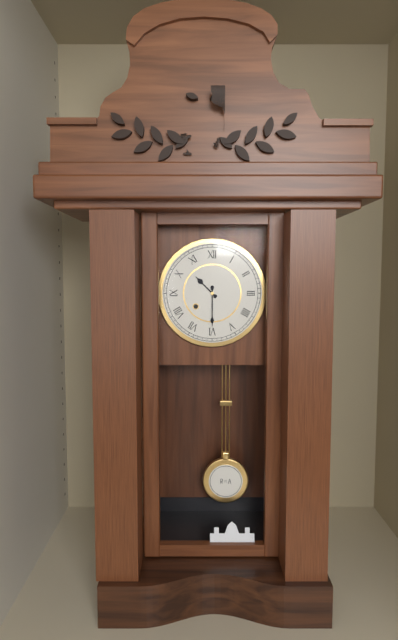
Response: **10:30**
